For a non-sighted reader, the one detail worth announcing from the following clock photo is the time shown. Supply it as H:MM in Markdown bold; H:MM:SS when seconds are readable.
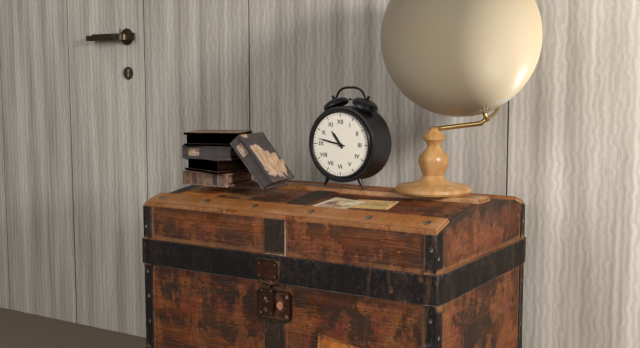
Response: **10:47**
